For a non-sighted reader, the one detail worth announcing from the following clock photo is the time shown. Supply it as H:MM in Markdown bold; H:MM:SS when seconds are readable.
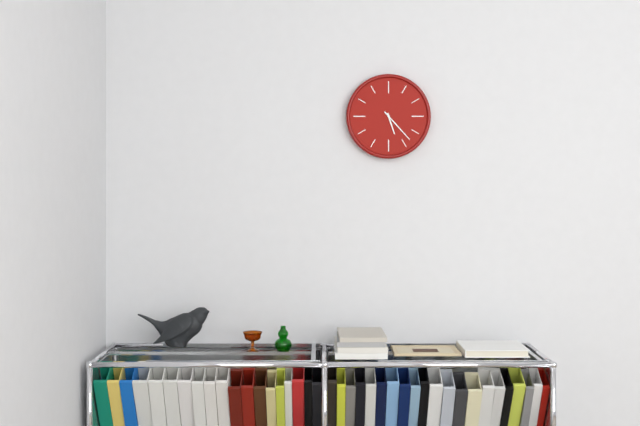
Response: **5:23**
